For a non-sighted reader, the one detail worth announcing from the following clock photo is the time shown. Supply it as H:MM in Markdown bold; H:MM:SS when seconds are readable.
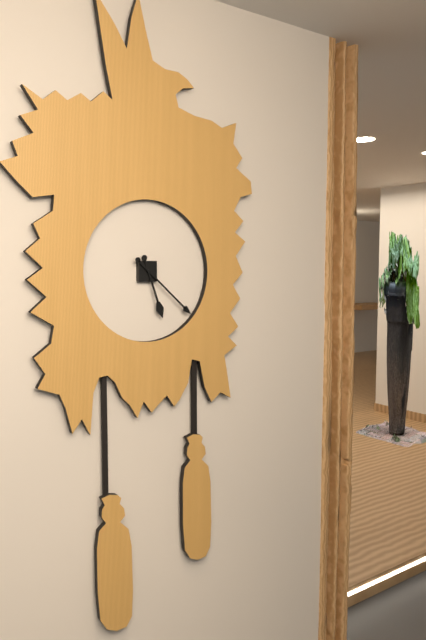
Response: **5:22**
